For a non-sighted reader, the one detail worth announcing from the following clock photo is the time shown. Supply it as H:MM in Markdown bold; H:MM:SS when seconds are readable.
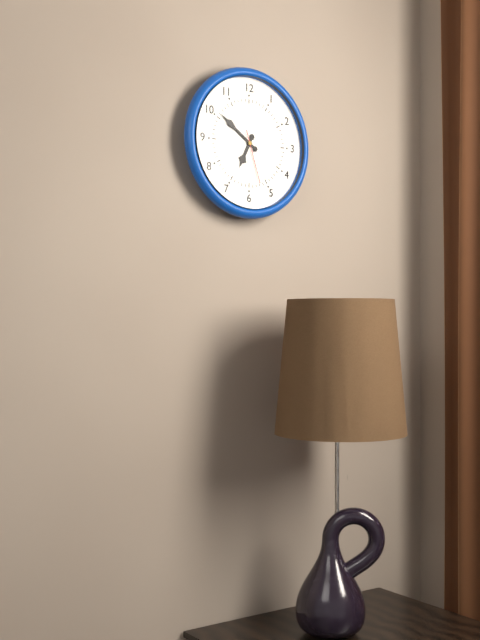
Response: **6:51:27**
